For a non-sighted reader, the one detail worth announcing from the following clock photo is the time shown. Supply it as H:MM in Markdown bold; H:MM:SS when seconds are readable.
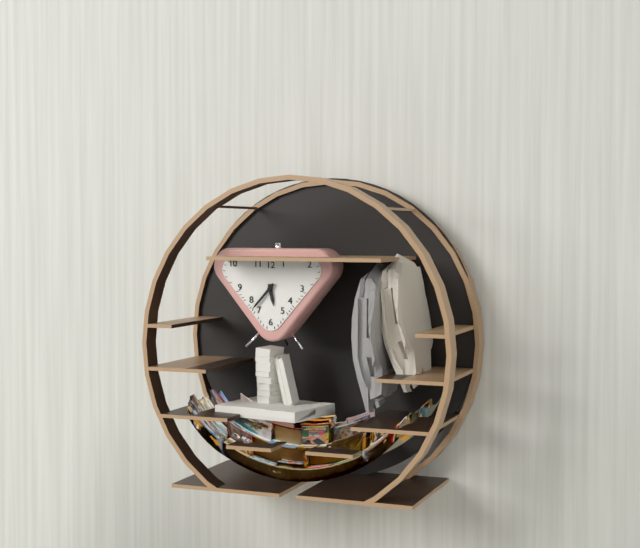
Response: **5:37**
